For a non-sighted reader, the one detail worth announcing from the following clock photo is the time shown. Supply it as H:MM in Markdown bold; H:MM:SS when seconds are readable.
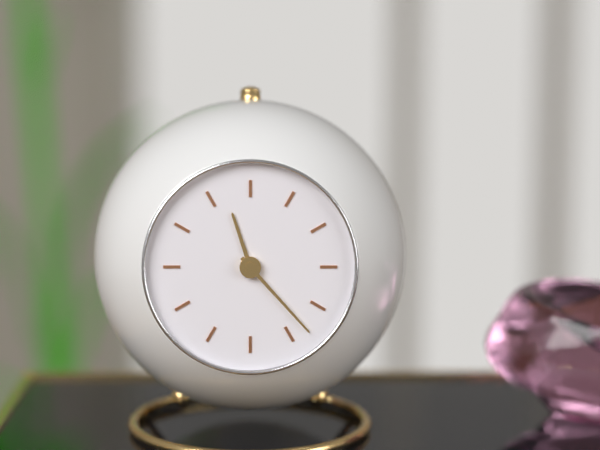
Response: **11:23**
